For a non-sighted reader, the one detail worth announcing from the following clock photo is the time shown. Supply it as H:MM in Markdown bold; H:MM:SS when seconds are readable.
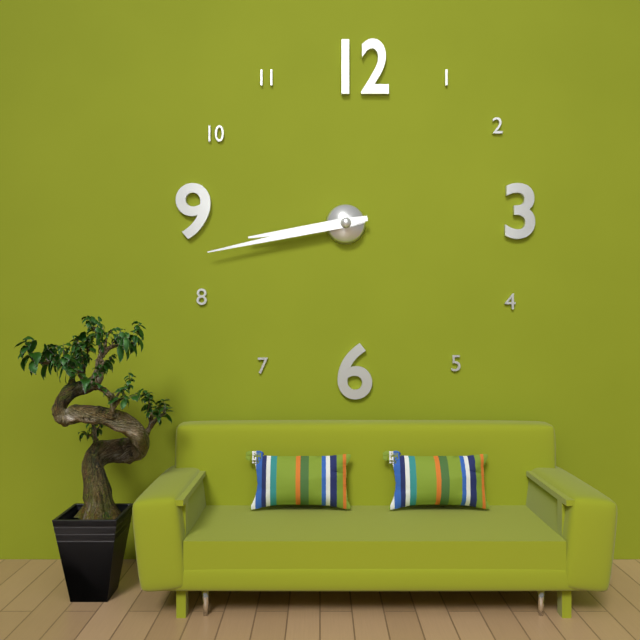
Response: **8:43**
